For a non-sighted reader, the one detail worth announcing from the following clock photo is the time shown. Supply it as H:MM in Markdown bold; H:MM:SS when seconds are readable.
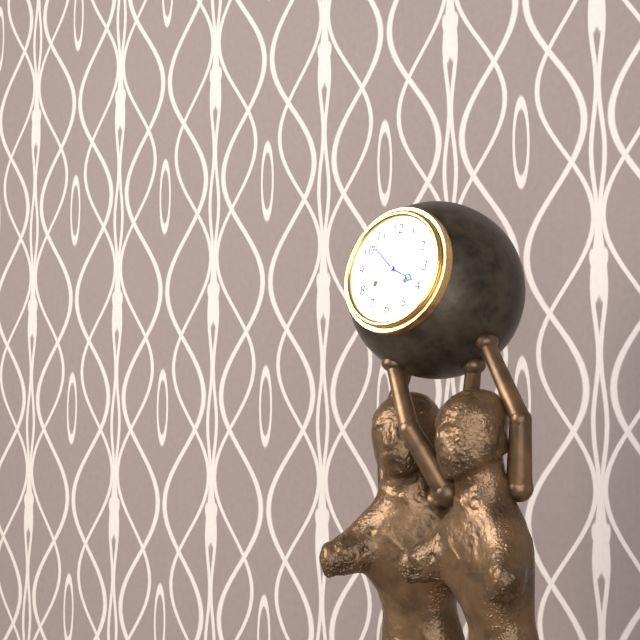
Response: **3:52**
